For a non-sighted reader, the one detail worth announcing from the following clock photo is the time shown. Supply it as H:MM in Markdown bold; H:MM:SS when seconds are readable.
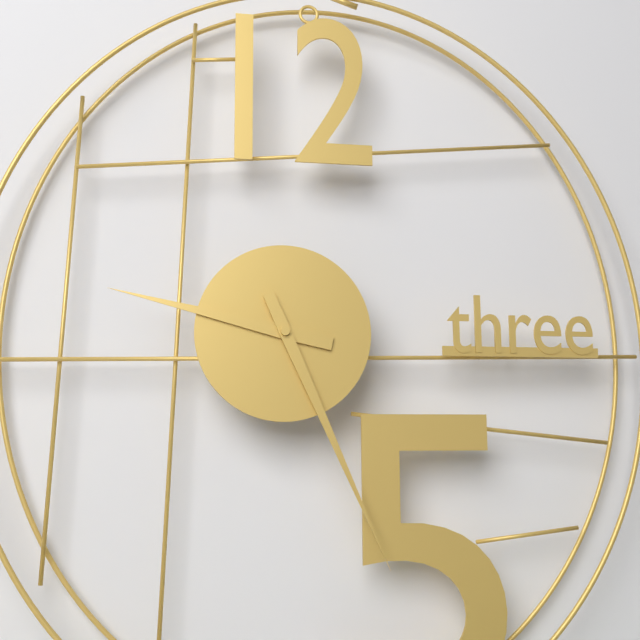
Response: **9:26**
